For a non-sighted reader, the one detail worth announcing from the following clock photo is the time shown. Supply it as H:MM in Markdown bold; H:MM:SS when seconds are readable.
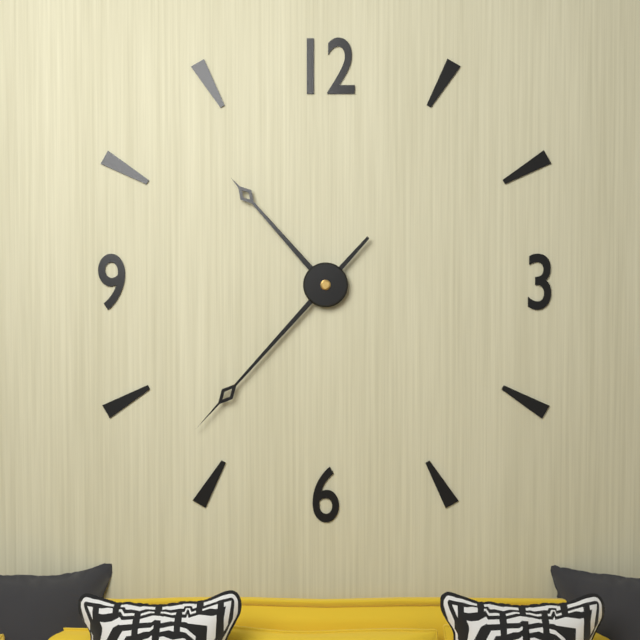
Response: **10:37**
